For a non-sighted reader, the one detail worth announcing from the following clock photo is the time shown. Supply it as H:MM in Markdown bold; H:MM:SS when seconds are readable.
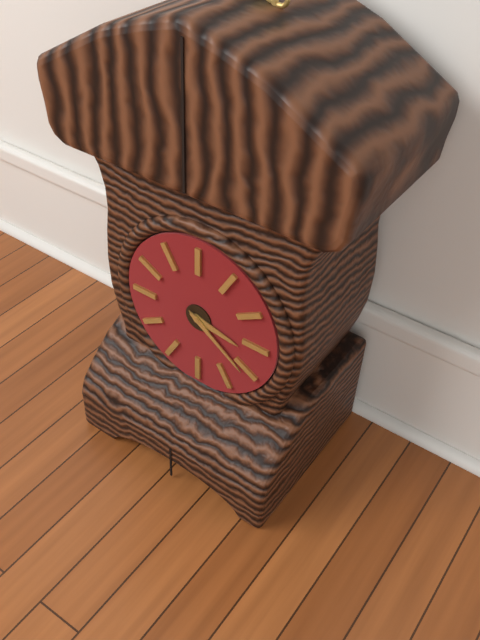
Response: **3:21**
